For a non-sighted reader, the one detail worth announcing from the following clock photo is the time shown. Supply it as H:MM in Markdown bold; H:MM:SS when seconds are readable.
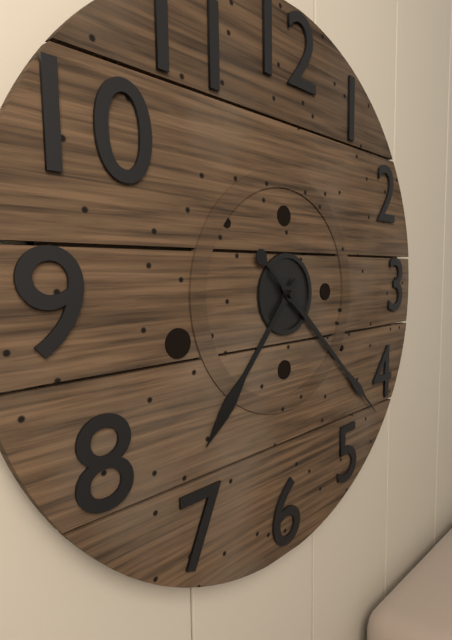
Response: **7:22**
